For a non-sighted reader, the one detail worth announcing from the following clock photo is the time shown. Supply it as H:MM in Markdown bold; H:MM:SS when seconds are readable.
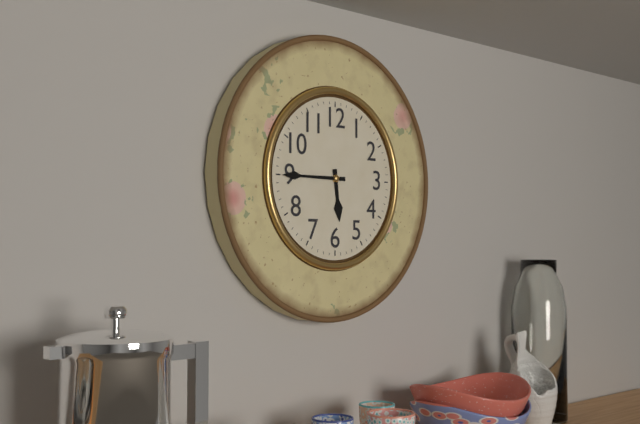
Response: **5:45**
